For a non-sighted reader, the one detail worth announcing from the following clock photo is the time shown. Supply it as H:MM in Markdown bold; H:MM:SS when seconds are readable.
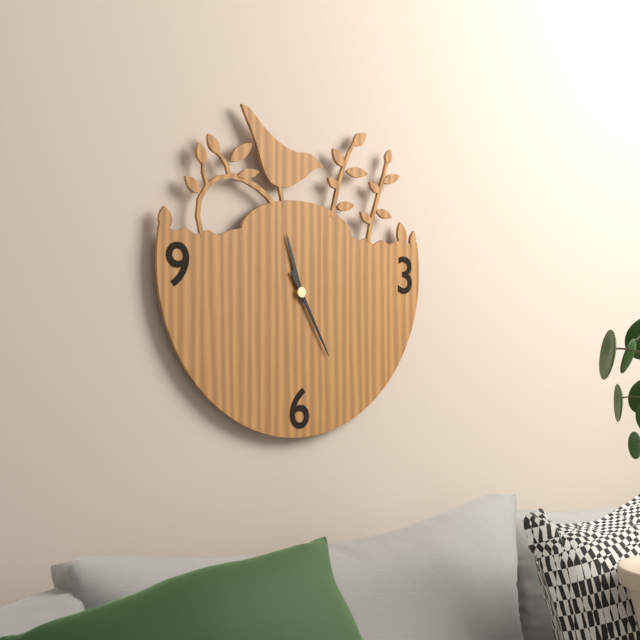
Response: **11:25**
